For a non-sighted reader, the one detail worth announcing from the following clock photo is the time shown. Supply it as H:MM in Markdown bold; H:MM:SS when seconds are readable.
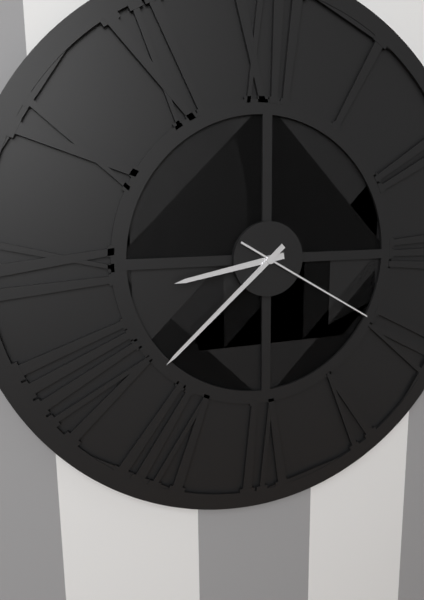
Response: **8:38:20**
